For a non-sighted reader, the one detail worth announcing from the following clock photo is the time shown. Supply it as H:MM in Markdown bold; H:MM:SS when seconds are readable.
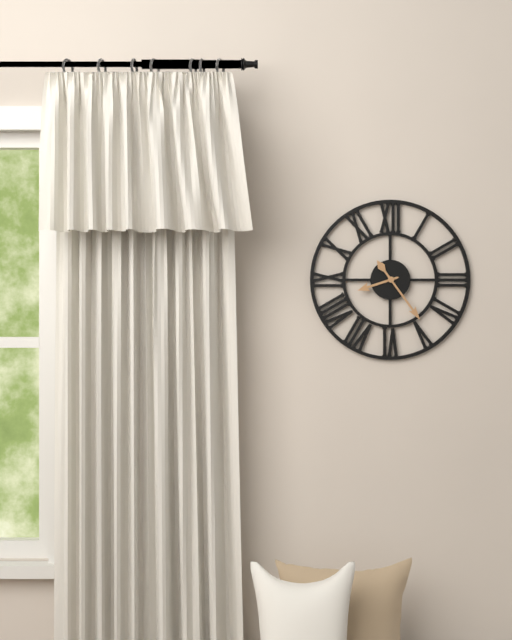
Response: **8:24**
